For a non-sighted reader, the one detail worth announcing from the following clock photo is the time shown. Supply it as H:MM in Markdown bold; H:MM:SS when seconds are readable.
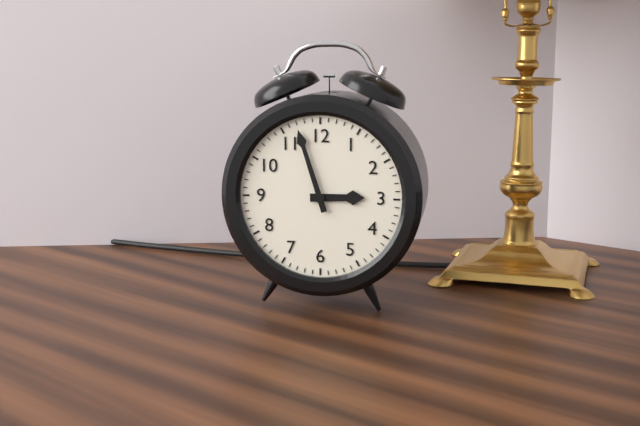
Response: **2:57**
